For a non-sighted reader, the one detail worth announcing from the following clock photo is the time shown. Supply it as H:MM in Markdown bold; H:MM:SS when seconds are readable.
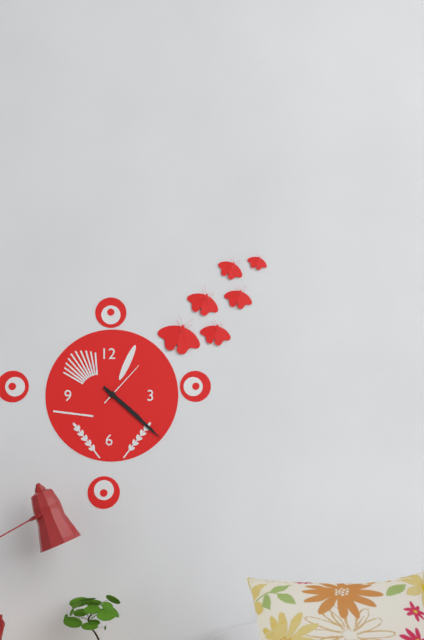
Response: **4:22**
